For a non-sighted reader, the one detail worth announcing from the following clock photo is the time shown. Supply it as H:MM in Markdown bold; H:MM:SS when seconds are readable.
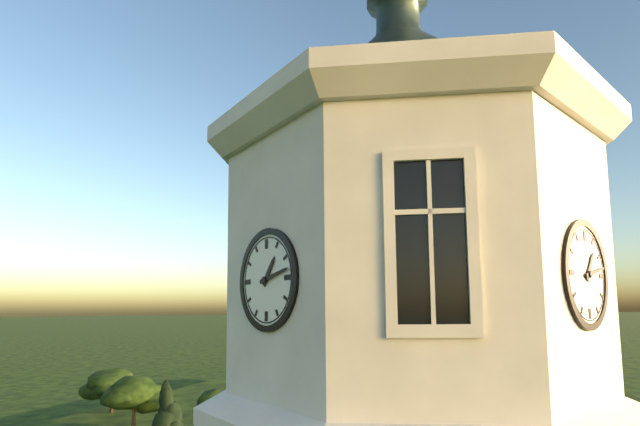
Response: **1:13**
